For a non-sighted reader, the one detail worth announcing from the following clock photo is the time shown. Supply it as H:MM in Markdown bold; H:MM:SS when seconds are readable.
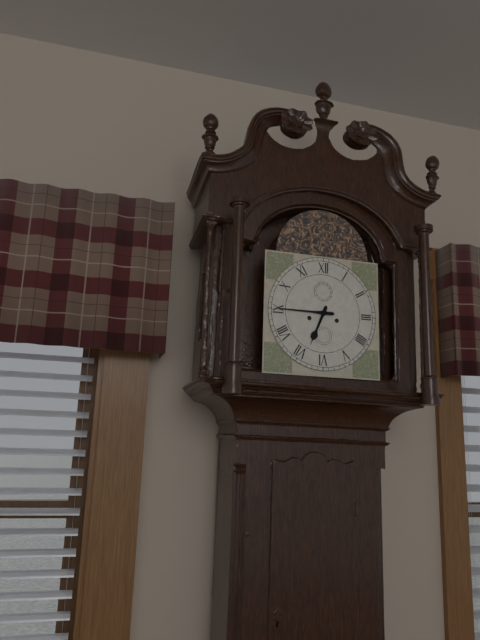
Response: **6:45**
